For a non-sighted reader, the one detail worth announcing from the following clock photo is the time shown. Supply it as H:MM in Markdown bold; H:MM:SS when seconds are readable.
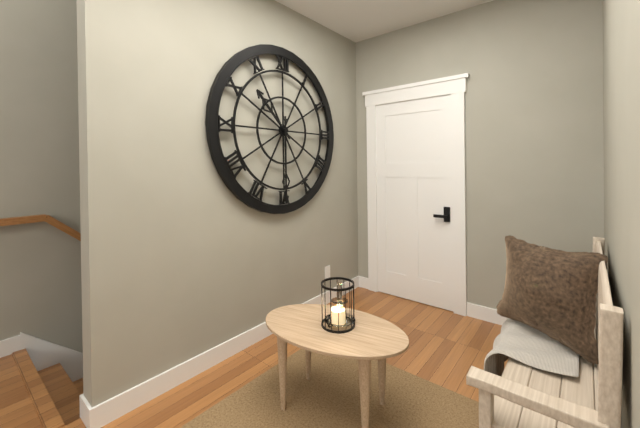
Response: **10:30**
